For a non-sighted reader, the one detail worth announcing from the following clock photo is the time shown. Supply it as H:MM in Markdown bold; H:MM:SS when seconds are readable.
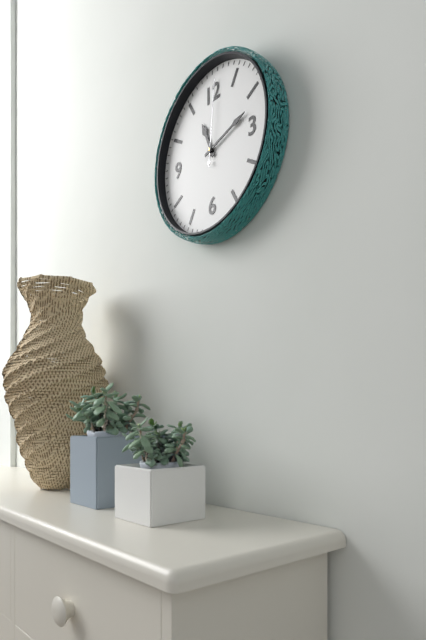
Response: **11:12:01**
